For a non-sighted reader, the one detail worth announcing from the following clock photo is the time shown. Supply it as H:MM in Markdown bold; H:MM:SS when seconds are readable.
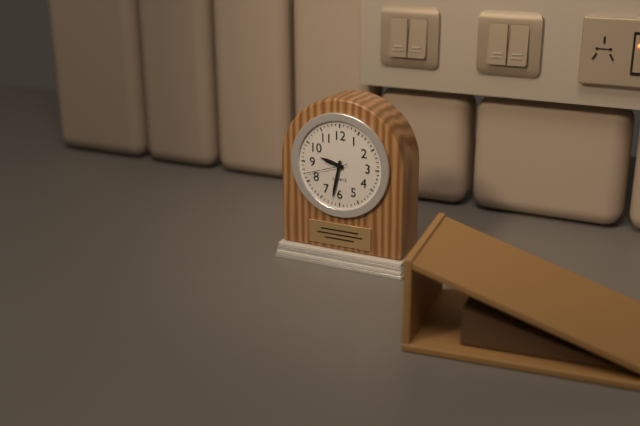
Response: **9:32**
